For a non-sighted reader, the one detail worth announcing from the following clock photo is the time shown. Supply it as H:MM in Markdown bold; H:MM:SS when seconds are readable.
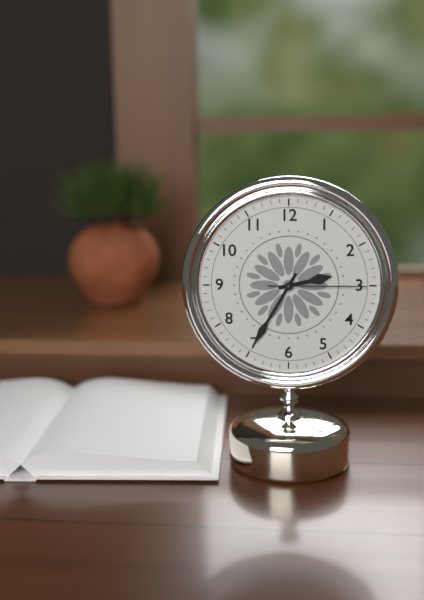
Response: **2:35:15**
